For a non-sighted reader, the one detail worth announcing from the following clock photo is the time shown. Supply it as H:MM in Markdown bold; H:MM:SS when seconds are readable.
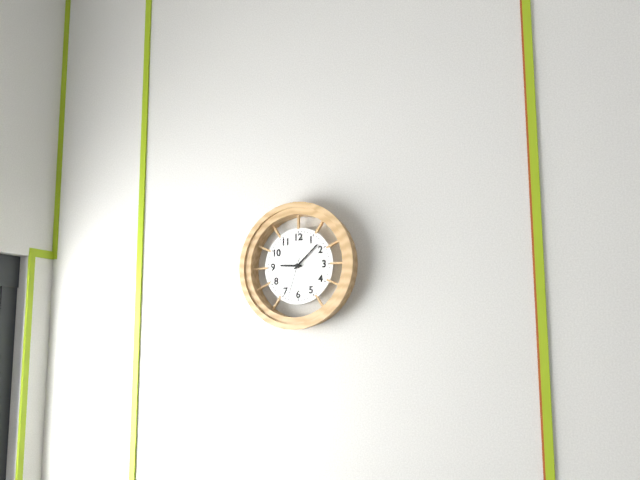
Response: **9:08**
